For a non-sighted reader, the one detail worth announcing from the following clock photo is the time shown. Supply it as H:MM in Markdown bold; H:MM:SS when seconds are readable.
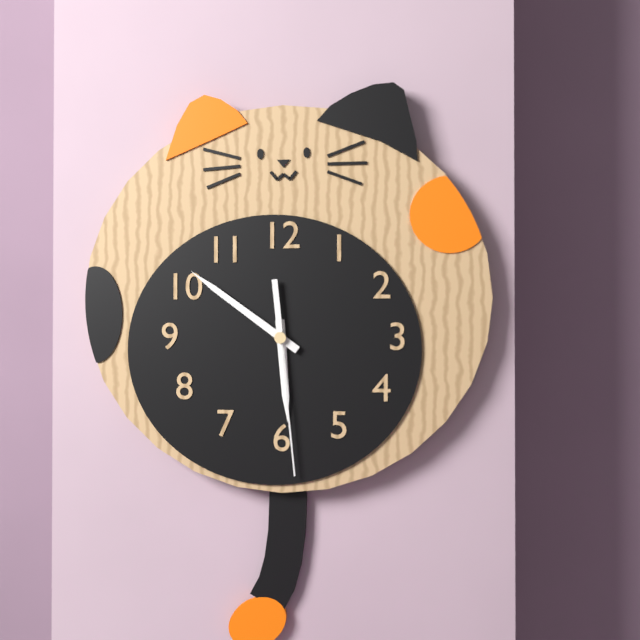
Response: **5:51:29**
